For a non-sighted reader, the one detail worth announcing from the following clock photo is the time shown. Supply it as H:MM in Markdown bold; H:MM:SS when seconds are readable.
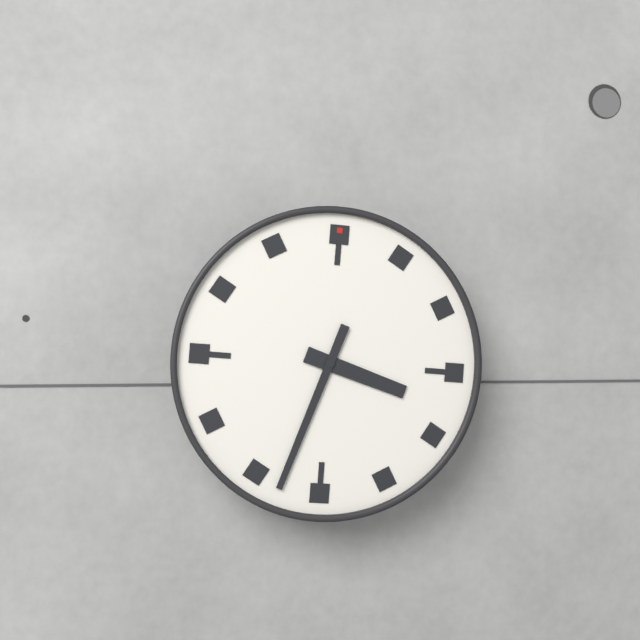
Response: **3:33**
